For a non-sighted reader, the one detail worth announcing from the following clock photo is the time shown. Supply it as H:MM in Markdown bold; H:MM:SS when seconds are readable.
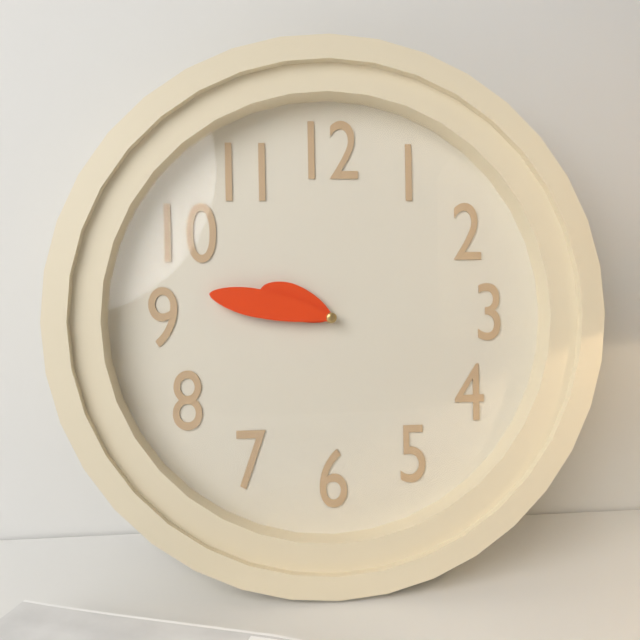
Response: **9:47**
